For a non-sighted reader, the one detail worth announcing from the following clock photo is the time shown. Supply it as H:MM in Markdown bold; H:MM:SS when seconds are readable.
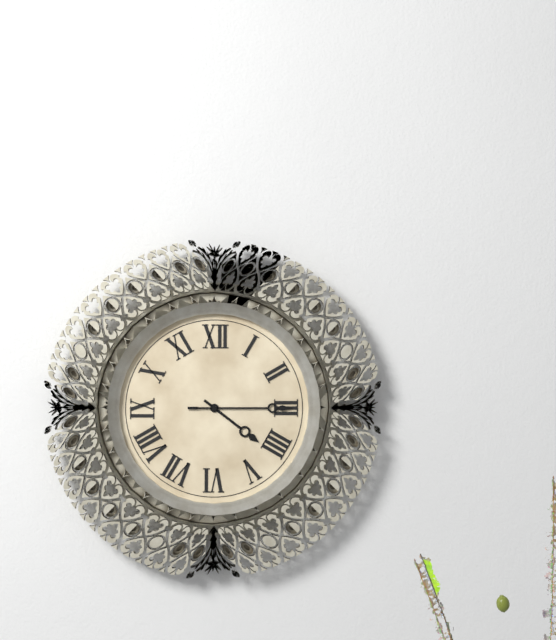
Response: **4:15**
